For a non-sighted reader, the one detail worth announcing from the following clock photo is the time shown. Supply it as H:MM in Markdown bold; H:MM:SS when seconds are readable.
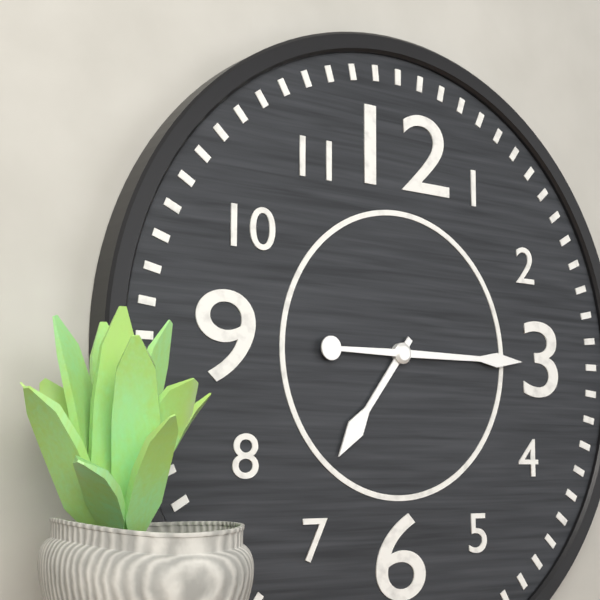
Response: **7:15**
